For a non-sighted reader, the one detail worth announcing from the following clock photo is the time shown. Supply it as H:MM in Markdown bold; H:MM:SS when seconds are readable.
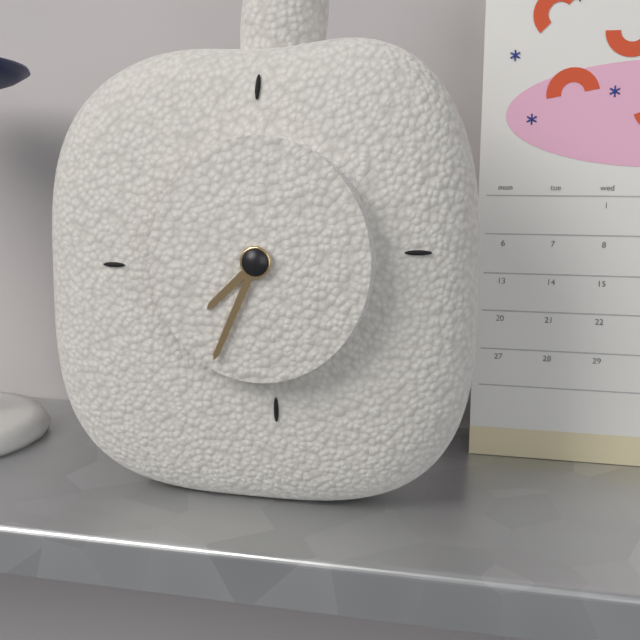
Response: **7:34**
